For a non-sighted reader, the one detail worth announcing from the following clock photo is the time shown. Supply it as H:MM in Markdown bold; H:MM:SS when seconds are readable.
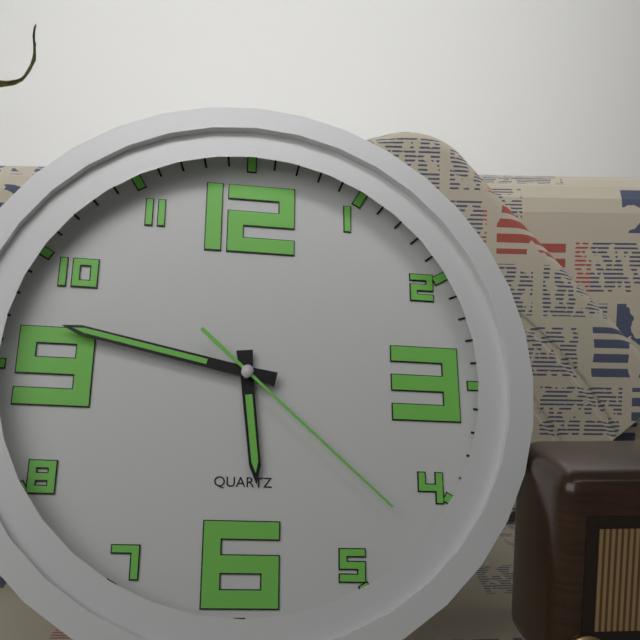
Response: **5:47:22**
